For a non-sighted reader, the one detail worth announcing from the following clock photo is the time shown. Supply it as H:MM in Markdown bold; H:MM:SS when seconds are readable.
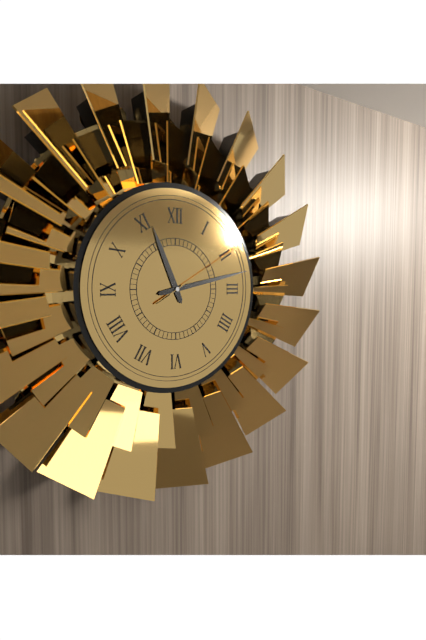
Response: **11:13:10**
